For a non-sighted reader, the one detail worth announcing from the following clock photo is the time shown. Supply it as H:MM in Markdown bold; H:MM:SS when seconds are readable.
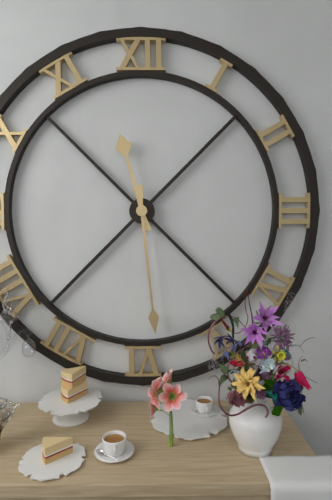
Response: **11:29**
